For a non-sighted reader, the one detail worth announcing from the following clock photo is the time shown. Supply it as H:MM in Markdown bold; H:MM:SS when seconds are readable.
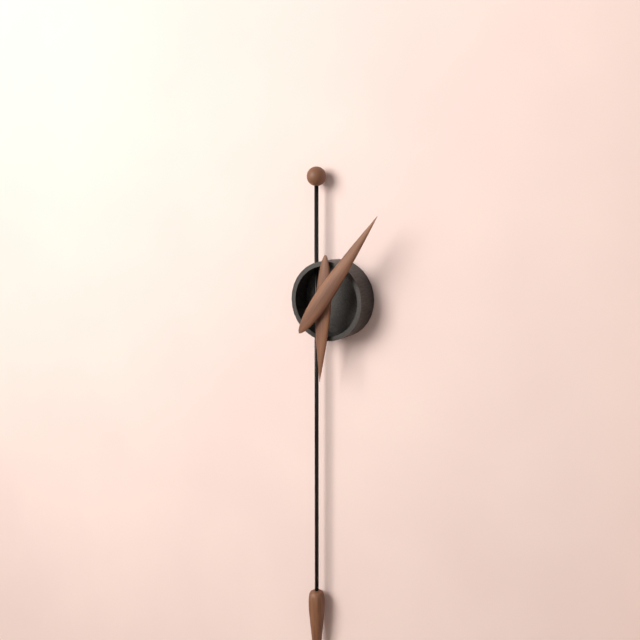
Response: **6:06**
